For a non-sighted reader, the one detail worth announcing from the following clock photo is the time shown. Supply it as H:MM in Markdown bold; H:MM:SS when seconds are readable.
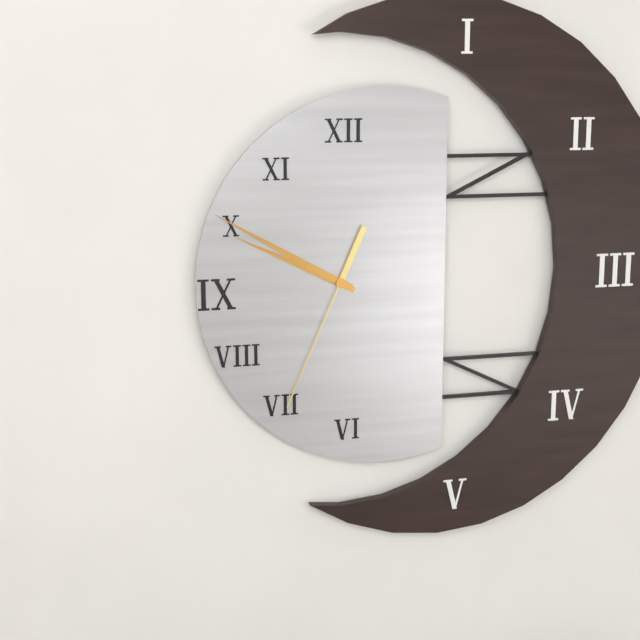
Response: **9:50:34**
